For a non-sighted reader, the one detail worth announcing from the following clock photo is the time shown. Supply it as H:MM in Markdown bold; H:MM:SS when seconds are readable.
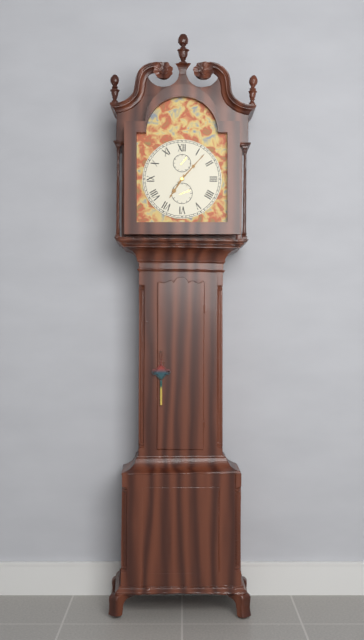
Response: **7:07**
